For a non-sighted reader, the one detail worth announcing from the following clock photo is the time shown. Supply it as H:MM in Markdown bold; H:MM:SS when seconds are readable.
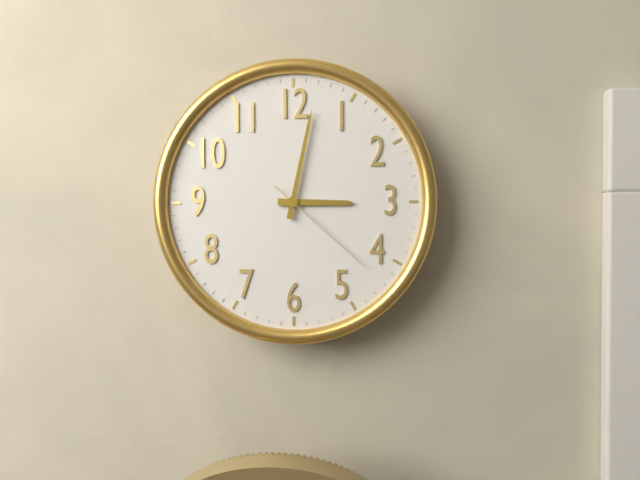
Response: **3:02:22**
